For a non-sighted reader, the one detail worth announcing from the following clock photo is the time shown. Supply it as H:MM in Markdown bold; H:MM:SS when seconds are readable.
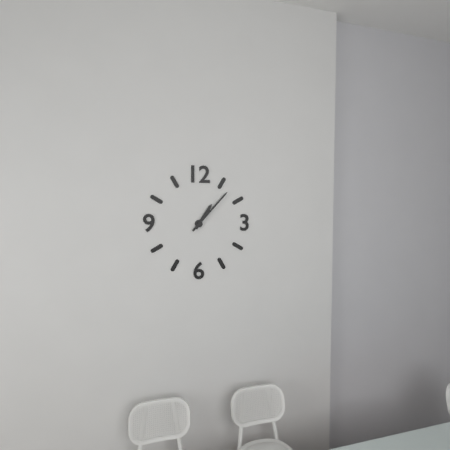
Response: **1:07**
